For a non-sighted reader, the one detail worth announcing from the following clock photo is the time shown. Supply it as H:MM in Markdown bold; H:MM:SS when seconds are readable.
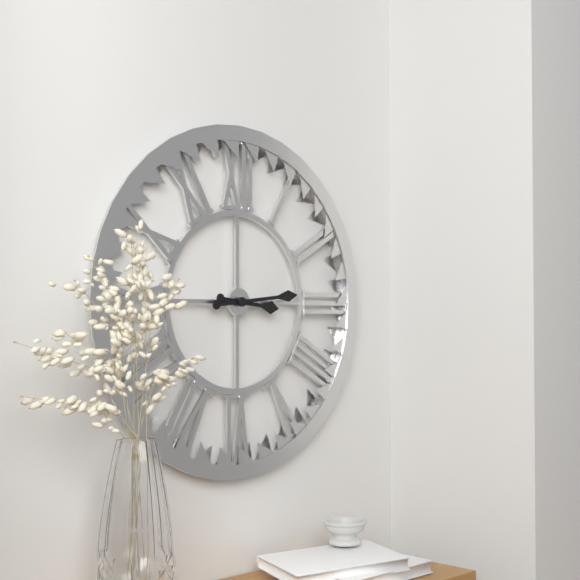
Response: **3:14**
